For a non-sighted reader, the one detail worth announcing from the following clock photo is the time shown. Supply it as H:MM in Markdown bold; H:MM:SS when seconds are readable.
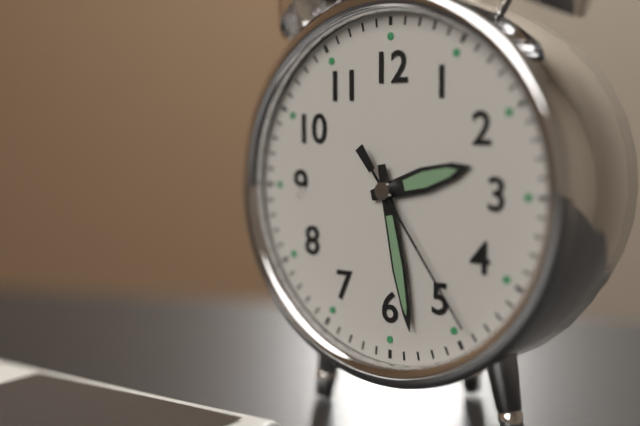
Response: **2:28:24**
